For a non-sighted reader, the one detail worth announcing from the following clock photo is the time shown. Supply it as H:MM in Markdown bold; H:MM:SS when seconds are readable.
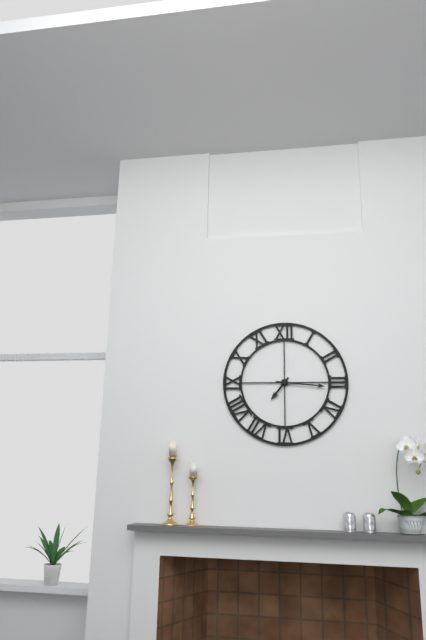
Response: **7:16**
